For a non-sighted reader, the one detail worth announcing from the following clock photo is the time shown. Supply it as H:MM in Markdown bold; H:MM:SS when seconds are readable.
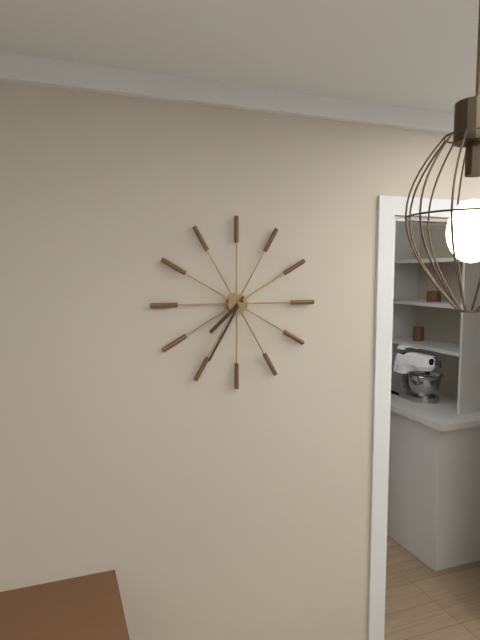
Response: **7:35**
